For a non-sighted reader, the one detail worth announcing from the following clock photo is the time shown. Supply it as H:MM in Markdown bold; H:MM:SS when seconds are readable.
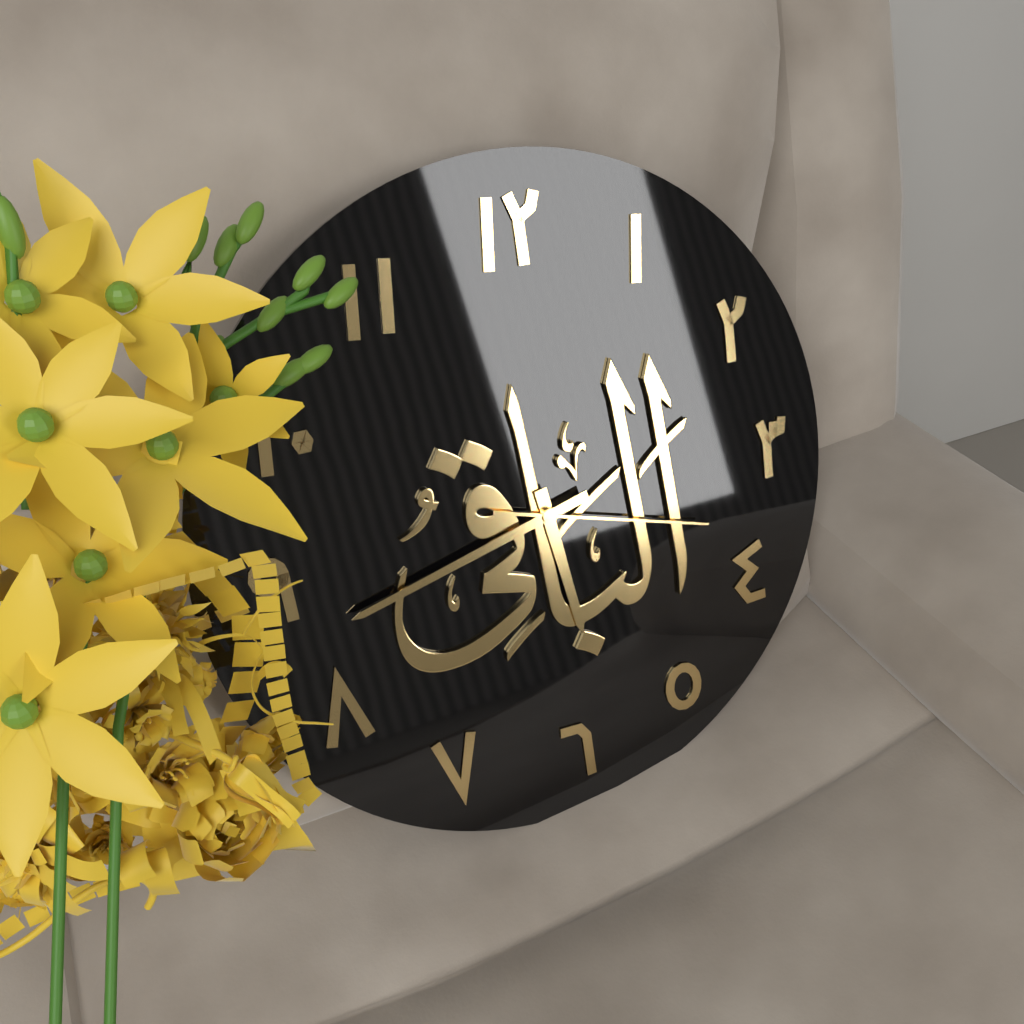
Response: **5:43:18**
